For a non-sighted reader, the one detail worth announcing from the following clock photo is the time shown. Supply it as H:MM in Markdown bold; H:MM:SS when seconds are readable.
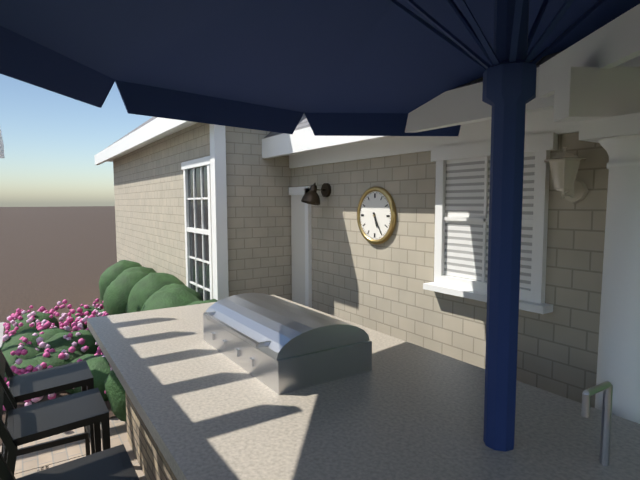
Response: **5:25**
